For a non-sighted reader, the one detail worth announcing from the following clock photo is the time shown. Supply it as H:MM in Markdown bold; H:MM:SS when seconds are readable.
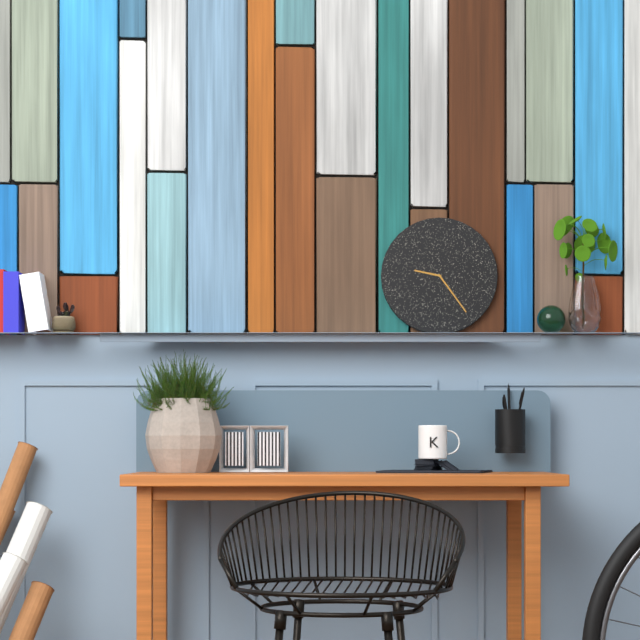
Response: **9:24**
